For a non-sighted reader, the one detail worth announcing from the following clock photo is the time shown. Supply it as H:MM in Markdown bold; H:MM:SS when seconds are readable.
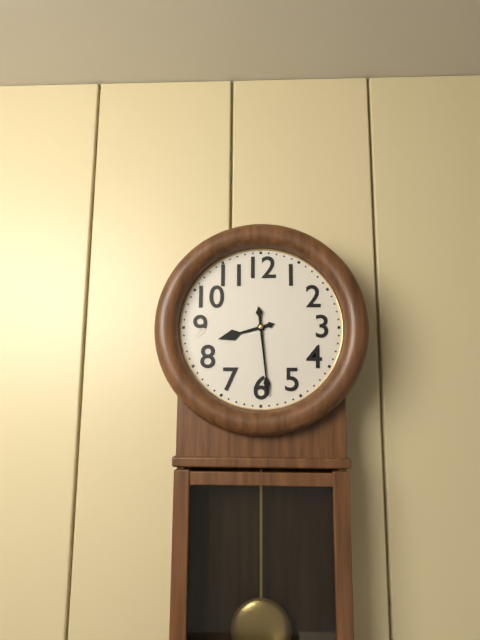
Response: **8:29**
